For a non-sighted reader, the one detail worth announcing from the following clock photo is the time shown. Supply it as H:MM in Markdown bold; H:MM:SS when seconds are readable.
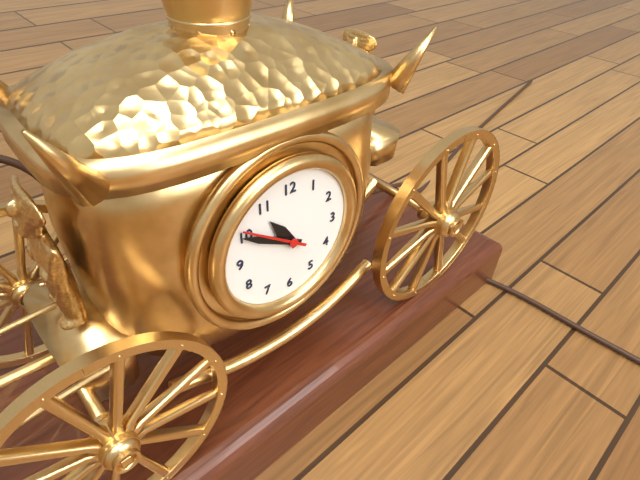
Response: **10:50:51**
